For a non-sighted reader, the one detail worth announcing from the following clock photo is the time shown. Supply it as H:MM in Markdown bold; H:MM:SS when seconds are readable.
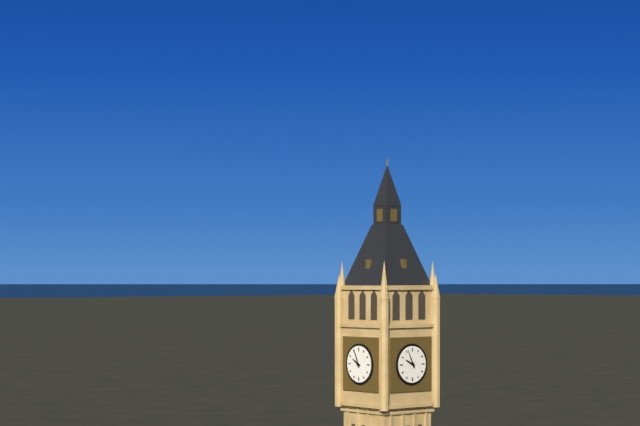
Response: **9:56**
